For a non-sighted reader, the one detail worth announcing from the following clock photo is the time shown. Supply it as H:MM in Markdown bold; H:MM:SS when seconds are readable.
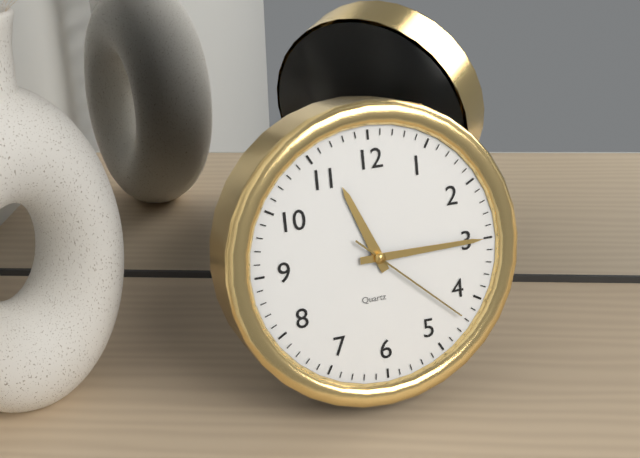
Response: **11:15:22**
